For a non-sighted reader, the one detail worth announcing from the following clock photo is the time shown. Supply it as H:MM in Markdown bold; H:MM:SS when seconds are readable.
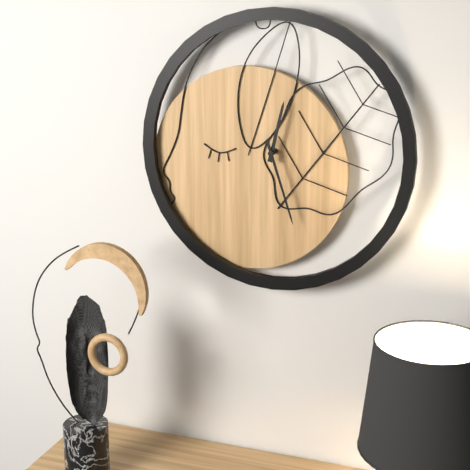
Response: **12:27**
